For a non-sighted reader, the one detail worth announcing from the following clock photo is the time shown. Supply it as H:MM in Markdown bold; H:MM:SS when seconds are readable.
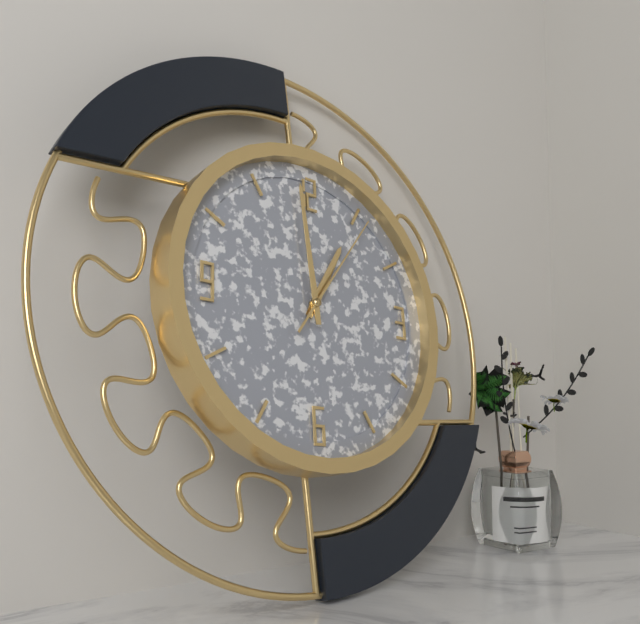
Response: **12:59:06**
